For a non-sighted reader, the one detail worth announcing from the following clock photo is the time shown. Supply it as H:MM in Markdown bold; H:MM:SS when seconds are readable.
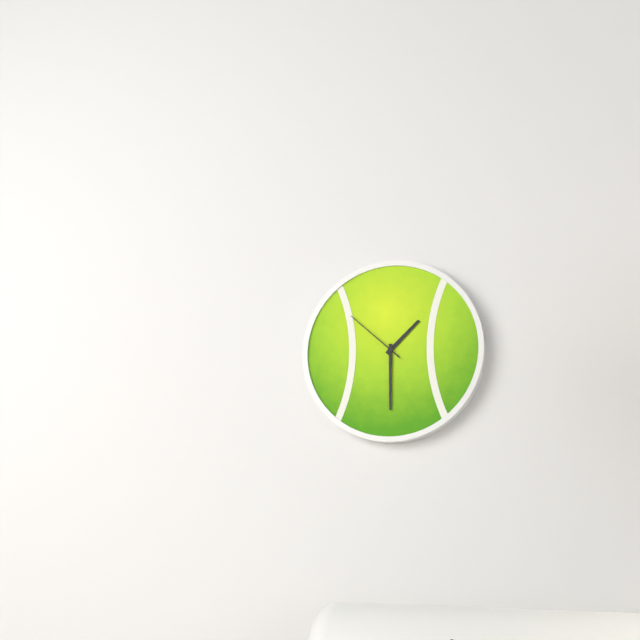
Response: **1:30:52**
